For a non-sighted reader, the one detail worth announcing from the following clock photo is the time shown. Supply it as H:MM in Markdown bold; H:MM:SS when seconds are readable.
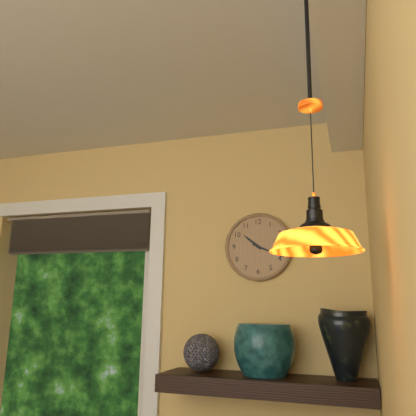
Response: **10:19**
